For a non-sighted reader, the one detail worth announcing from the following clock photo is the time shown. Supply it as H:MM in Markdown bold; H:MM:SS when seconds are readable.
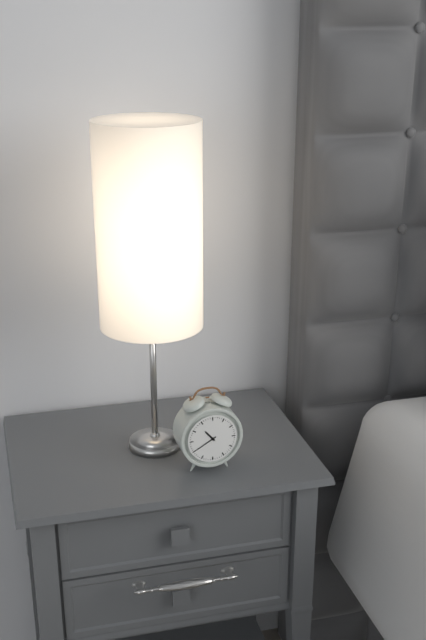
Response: **10:40**
